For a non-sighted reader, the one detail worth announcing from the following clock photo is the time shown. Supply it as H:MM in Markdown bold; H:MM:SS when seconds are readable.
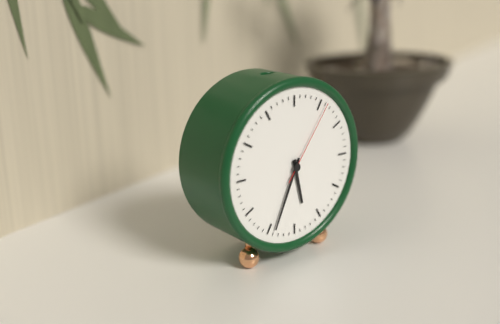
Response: **5:34:06**
